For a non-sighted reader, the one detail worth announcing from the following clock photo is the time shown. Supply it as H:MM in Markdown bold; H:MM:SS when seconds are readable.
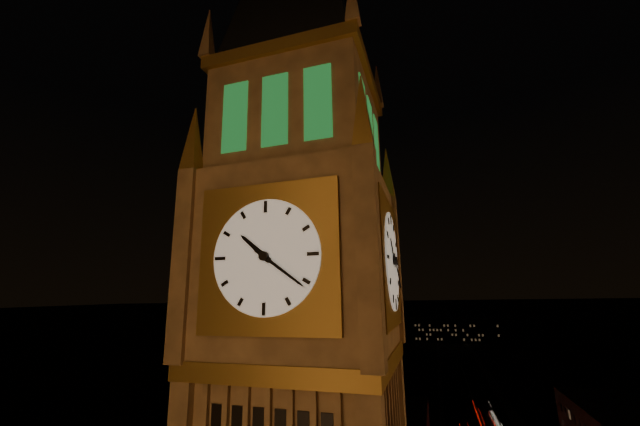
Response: **10:21**
